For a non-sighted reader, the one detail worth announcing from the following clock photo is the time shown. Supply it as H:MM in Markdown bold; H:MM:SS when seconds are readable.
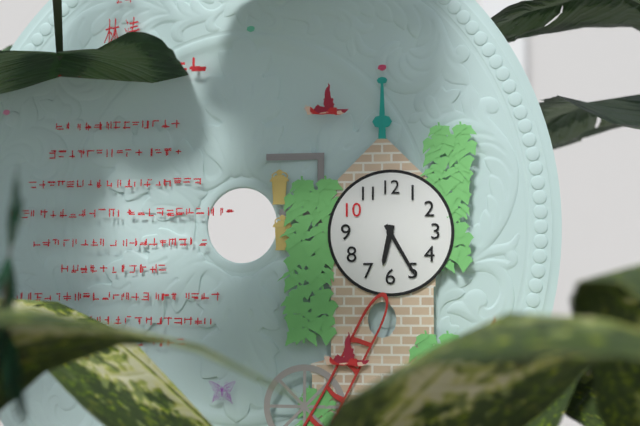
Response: **6:25**
